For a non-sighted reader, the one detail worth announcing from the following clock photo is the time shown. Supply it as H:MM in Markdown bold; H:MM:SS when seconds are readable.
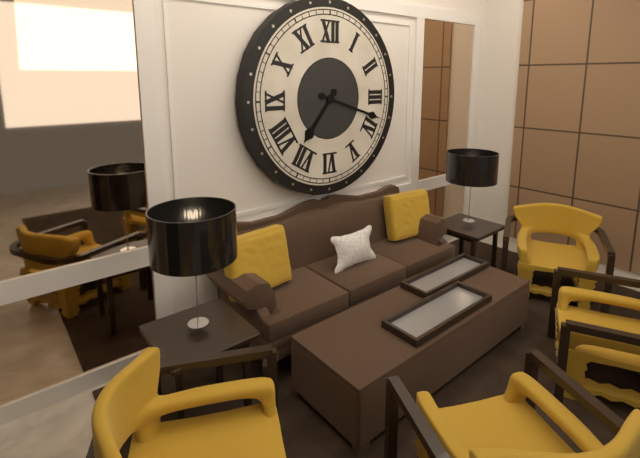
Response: **7:18**
